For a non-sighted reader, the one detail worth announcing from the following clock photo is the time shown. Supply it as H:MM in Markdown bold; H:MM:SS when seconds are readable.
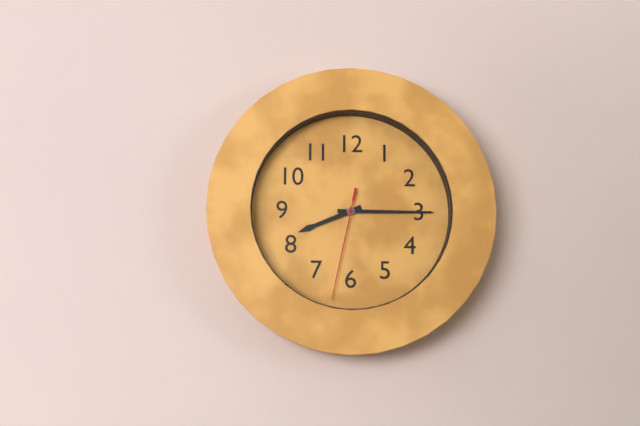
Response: **8:15:32**
